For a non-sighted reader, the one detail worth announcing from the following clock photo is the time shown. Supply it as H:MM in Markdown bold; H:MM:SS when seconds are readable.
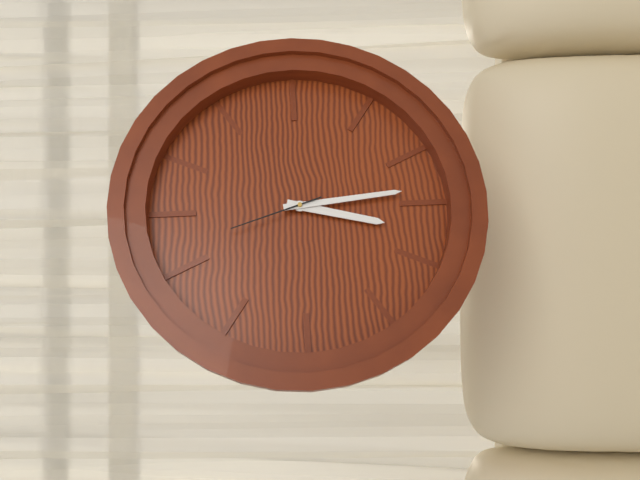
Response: **6:29:57**
